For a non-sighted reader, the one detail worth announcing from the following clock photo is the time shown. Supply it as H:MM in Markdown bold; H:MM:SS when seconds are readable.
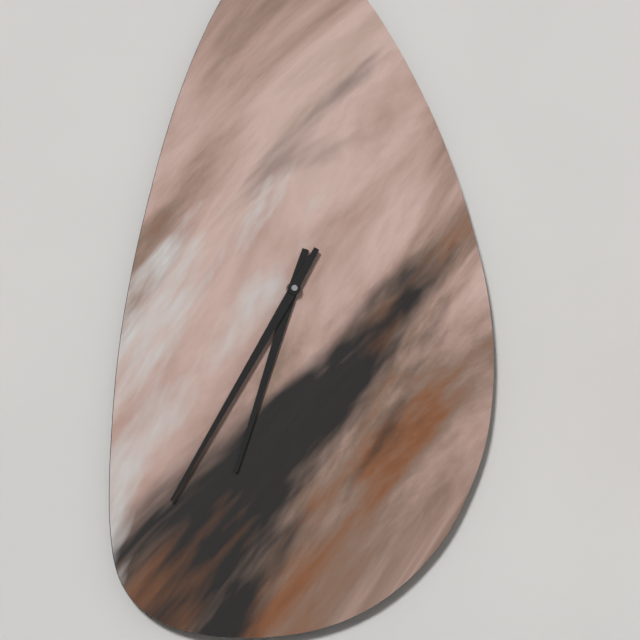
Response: **6:35**
